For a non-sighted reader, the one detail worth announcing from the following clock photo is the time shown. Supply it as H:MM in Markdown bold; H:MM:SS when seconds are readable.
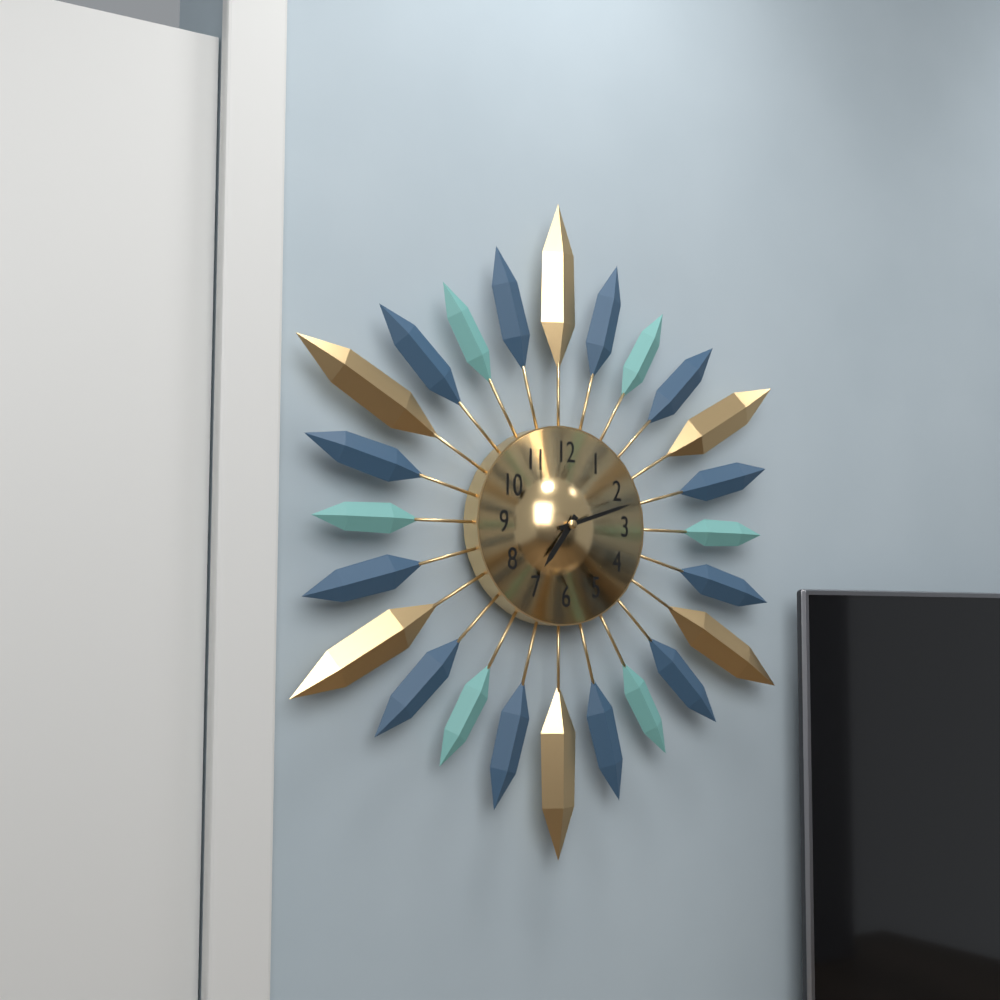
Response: **7:12**
